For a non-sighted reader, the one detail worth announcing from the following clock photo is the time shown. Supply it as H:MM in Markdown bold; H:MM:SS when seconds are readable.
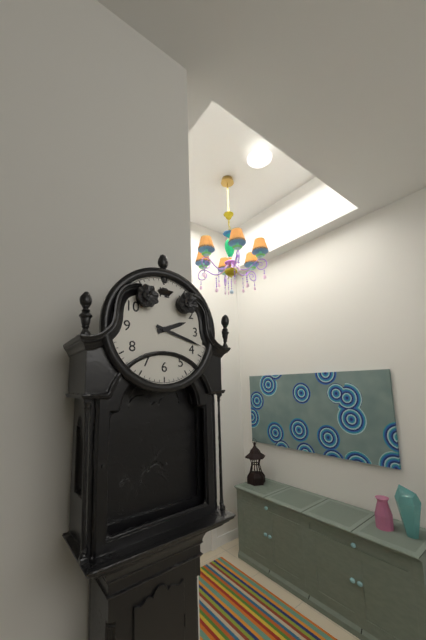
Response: **2:18**
